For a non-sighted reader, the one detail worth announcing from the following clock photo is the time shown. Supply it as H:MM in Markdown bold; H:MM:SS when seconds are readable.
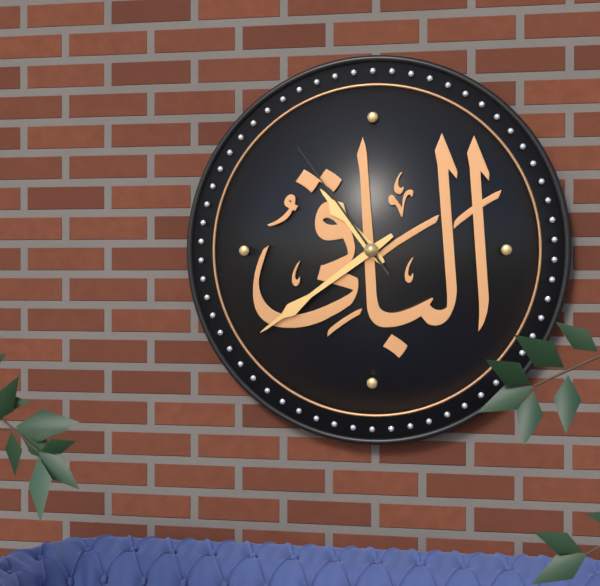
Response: **10:39:54**
